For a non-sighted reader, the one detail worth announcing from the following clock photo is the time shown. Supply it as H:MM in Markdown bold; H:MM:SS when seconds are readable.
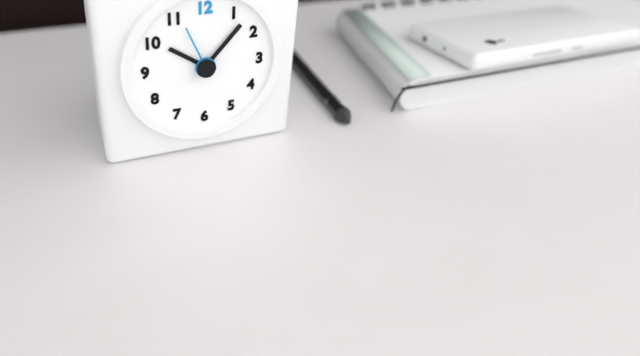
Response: **10:07:56**
